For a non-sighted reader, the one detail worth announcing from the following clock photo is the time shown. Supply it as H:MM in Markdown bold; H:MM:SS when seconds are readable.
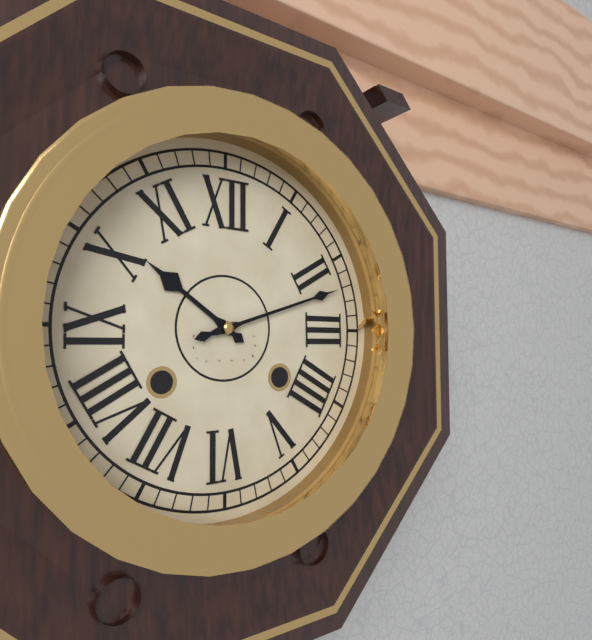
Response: **10:12**
